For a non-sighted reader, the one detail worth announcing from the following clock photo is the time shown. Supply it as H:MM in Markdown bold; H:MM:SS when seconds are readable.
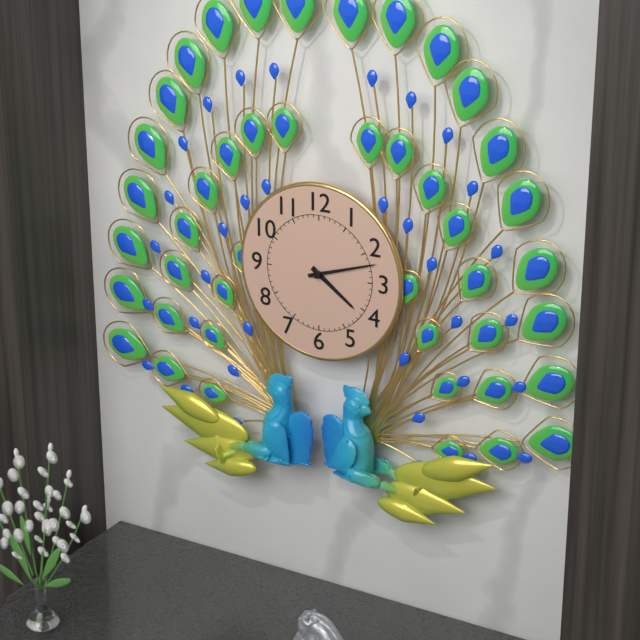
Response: **4:12**
